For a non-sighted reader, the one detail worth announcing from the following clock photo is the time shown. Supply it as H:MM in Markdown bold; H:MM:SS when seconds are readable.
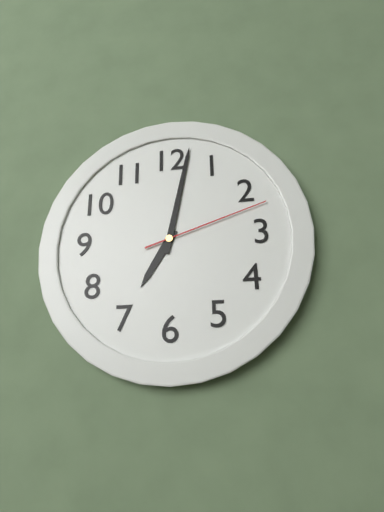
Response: **7:02:12**
